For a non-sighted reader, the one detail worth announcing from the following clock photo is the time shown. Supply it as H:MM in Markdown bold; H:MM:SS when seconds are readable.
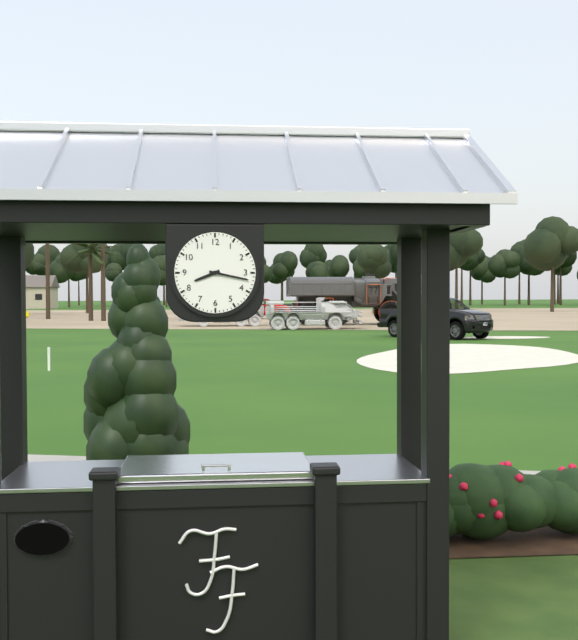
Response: **8:17**
